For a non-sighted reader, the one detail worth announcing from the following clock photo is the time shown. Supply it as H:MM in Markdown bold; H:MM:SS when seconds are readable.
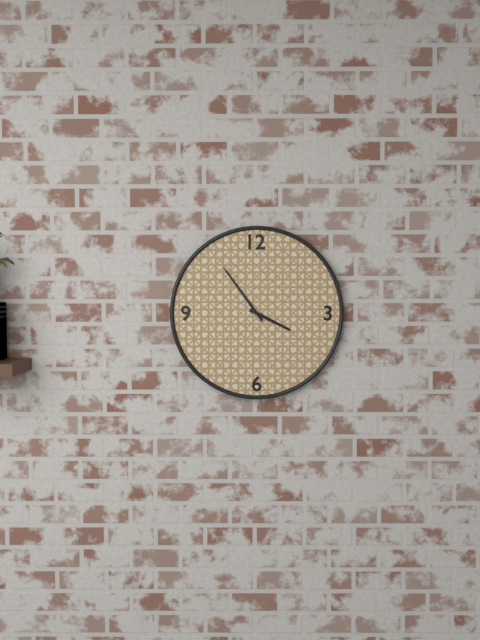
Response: **3:54**
